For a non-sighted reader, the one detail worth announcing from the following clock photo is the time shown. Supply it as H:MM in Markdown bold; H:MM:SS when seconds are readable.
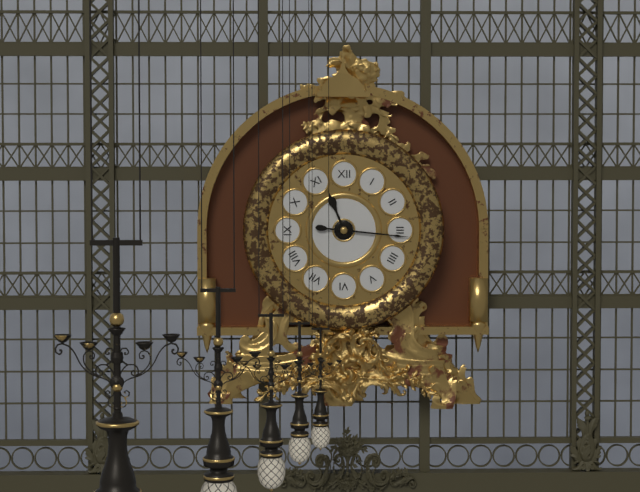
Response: **11:16**
